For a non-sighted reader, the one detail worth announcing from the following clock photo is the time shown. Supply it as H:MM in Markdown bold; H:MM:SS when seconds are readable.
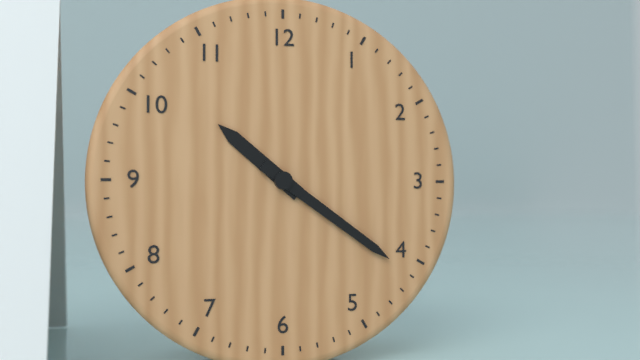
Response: **10:21**
